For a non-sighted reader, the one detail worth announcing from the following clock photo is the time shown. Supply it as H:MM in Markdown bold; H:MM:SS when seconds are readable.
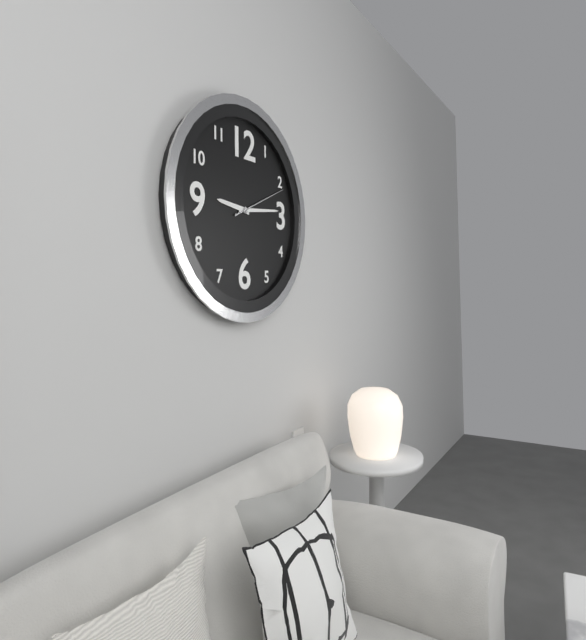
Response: **9:14:11**
